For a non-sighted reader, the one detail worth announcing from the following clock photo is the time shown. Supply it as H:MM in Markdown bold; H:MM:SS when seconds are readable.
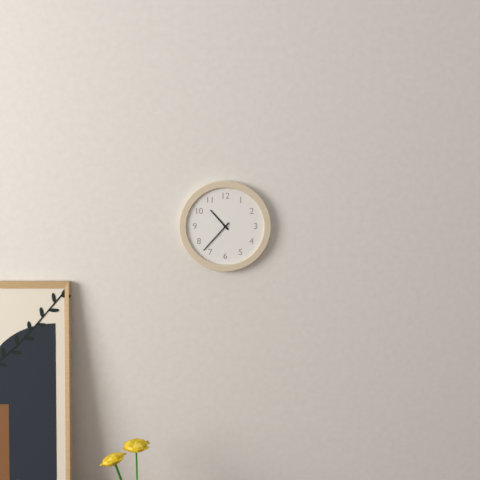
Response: **10:37**
